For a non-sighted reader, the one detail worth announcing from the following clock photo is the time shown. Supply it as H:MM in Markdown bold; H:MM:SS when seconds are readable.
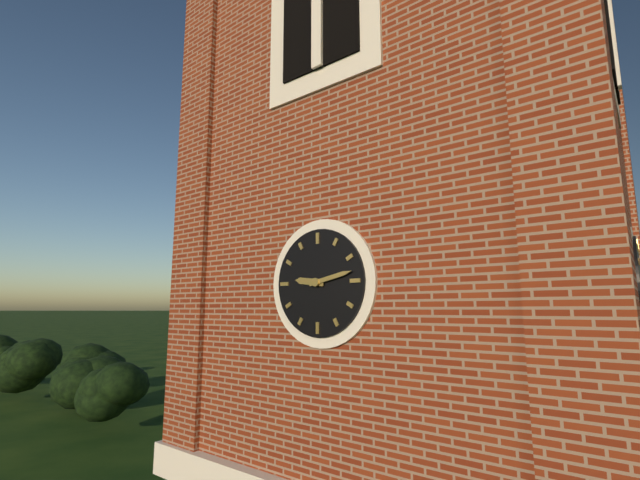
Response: **9:13**
